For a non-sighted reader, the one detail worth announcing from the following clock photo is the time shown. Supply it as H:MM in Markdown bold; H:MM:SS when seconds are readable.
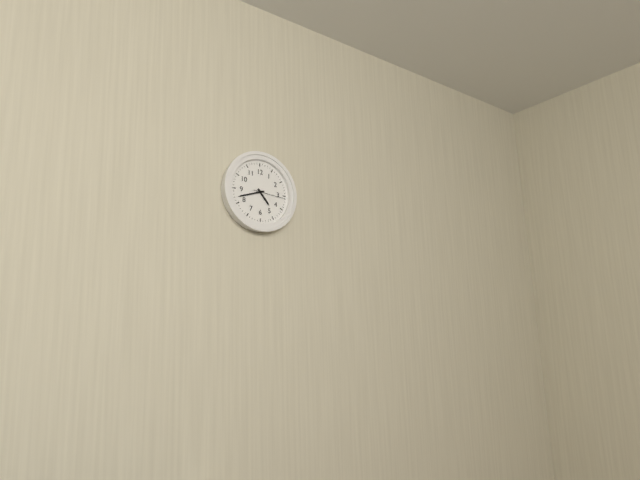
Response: **4:42**
